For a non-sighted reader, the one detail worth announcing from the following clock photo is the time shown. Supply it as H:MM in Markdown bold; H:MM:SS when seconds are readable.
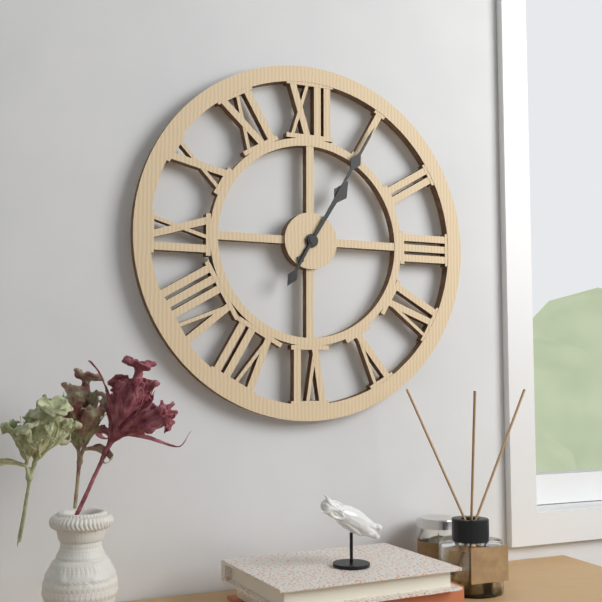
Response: **1:05**
